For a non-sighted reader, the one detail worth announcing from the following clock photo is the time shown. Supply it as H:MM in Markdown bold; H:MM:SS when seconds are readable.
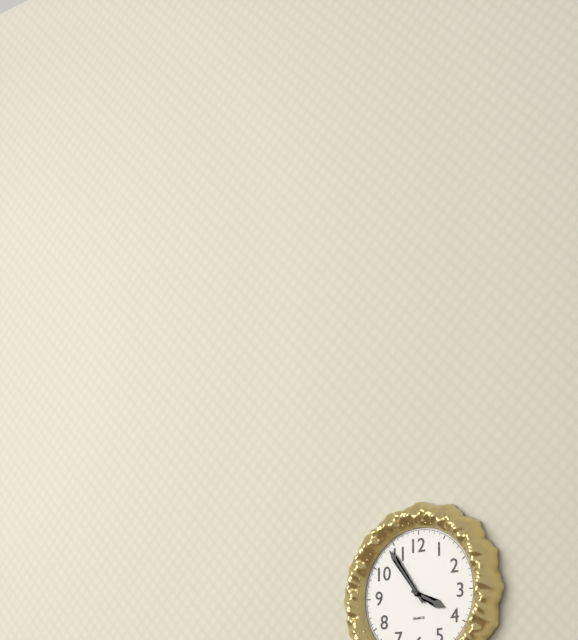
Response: **3:54**
